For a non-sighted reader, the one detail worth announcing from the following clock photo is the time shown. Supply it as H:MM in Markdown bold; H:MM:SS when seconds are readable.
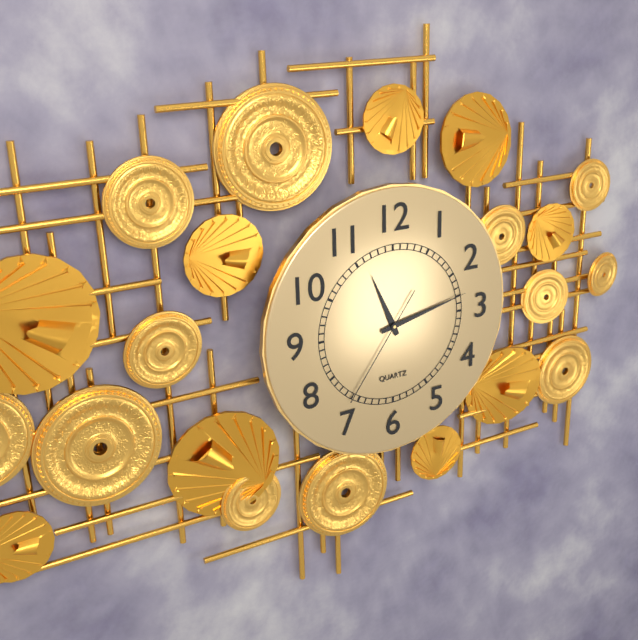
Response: **11:13:36**
